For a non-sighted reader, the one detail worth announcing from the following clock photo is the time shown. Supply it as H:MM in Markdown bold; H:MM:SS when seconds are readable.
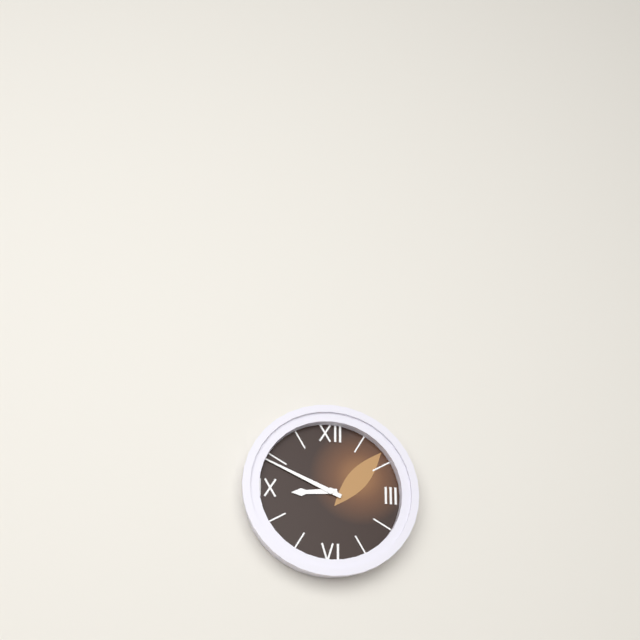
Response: **8:49**
